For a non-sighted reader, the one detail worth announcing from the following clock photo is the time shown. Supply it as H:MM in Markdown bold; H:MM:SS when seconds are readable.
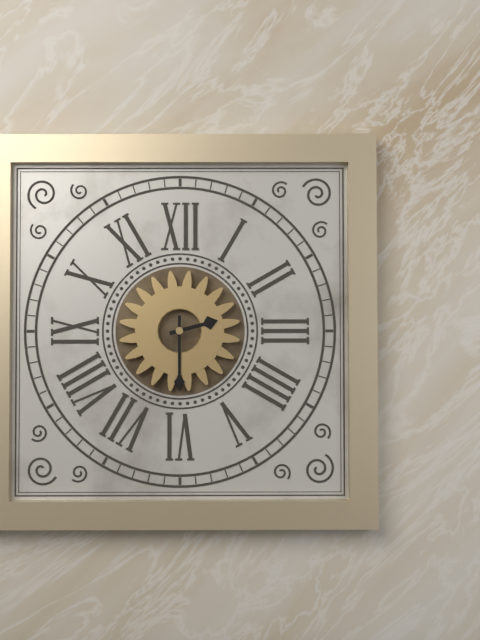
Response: **2:30**
